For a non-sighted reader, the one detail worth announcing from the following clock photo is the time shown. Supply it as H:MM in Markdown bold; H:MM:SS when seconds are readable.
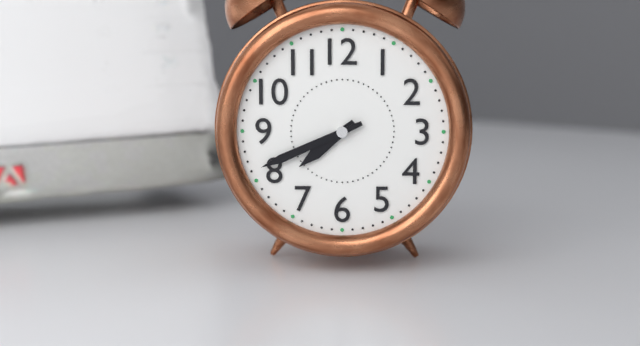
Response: **7:41**
